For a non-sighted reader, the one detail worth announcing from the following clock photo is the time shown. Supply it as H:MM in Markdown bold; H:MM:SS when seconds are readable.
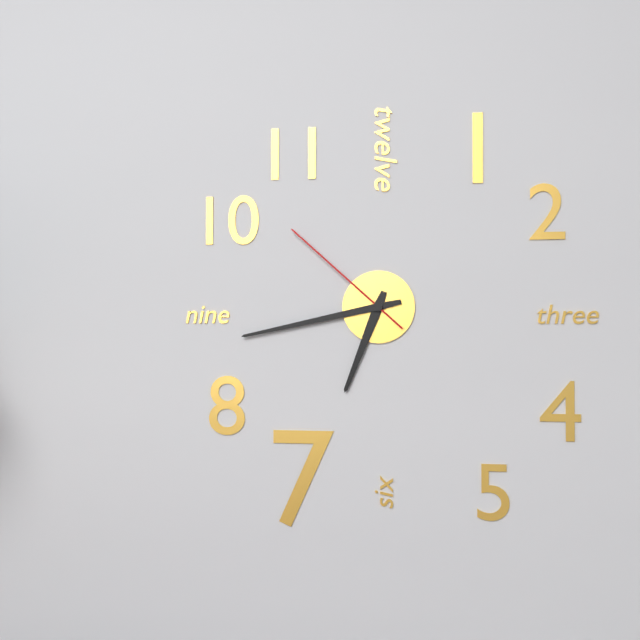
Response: **6:43:52**
